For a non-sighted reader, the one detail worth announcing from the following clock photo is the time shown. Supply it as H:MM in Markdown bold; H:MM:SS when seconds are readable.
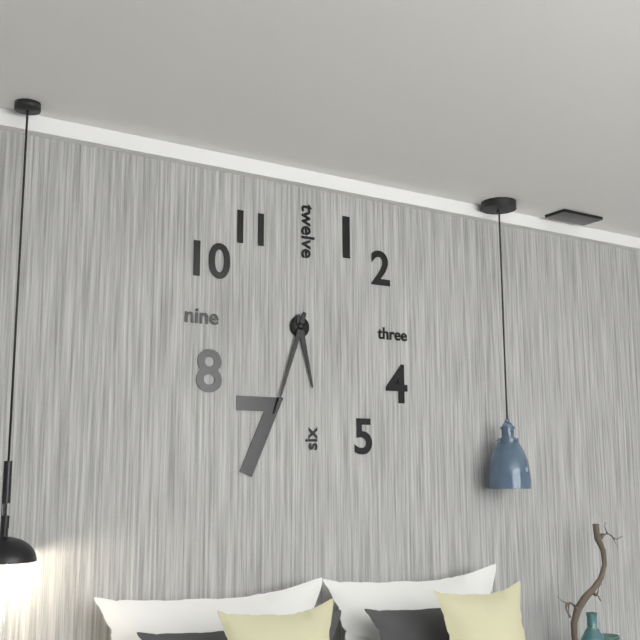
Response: **5:33**
